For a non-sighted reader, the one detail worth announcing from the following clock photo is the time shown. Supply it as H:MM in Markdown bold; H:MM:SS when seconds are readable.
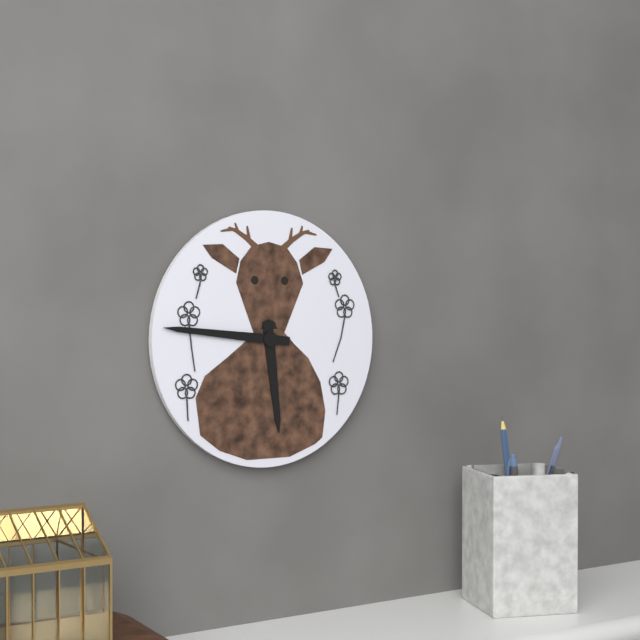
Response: **5:46**
